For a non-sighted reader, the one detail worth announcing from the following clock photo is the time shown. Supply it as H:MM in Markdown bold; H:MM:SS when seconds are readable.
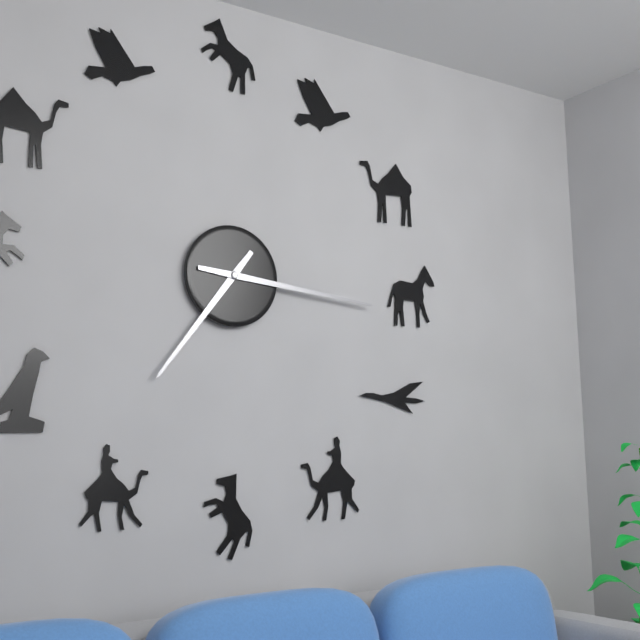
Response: **7:16**
